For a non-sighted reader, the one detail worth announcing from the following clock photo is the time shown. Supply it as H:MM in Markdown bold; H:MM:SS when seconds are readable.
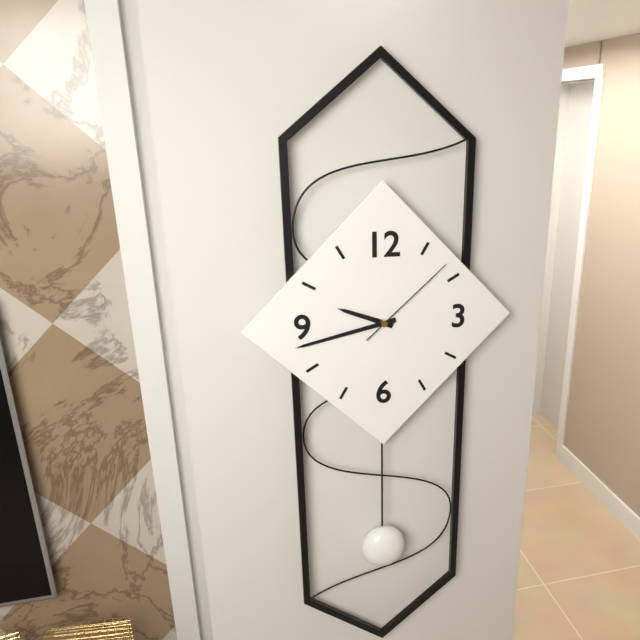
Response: **9:43:08**
